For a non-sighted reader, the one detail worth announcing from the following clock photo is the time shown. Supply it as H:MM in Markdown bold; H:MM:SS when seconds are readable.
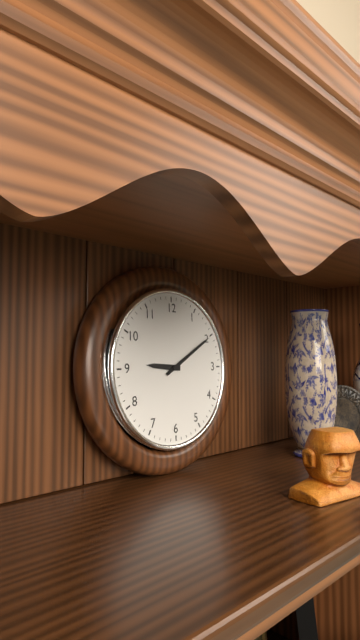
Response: **9:10**
